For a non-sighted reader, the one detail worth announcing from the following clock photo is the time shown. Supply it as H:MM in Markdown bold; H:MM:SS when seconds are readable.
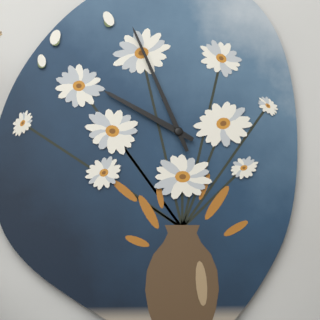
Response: **9:56**
